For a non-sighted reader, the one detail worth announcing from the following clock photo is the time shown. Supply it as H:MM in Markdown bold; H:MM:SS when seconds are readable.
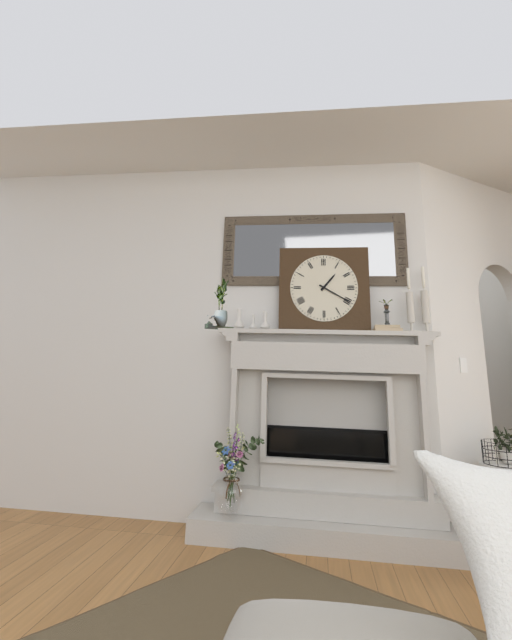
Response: **1:20**
